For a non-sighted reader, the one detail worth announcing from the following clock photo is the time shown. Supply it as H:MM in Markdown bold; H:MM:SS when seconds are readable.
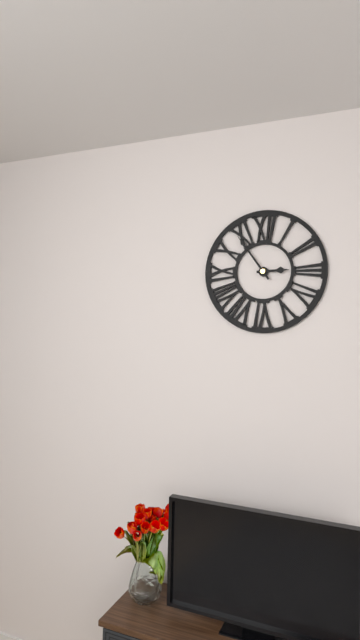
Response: **2:54**
